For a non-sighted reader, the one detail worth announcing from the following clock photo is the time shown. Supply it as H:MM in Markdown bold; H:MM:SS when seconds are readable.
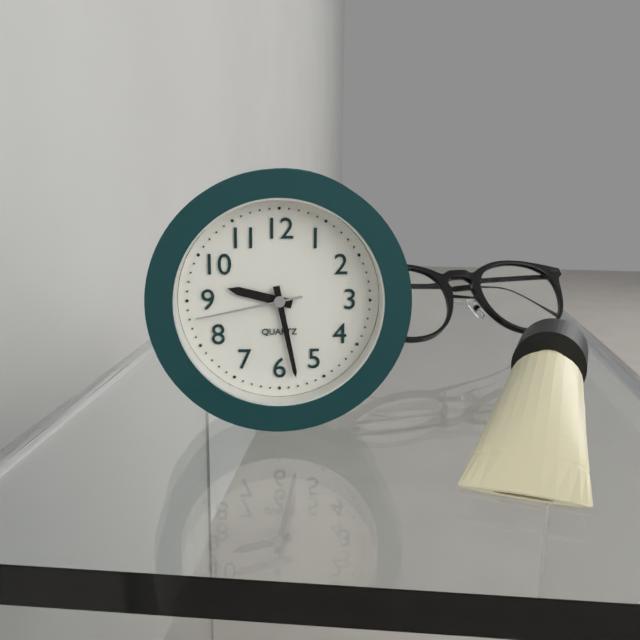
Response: **9:28:43**
